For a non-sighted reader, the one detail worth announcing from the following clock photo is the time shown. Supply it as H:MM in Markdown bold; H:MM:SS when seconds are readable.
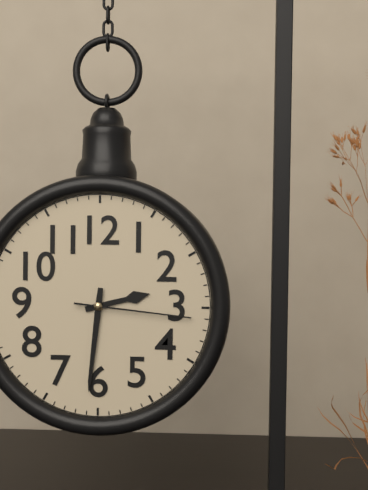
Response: **2:31:16**
